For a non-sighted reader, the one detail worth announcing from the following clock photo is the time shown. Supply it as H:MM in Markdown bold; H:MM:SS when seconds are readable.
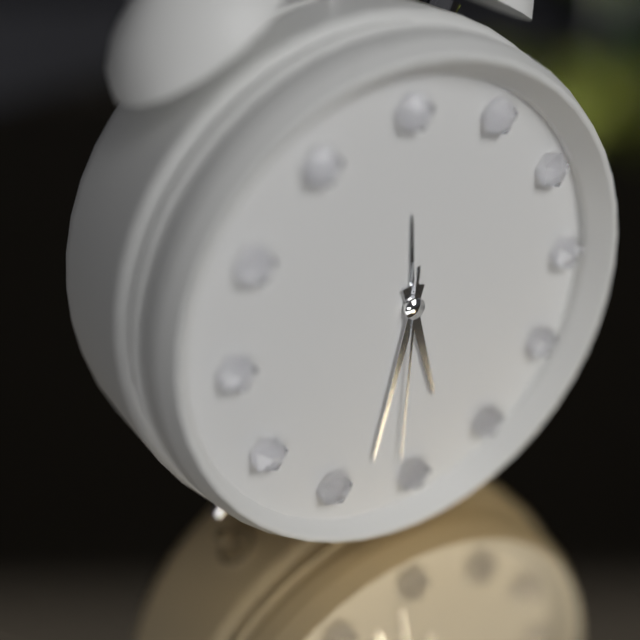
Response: **5:33:31**
